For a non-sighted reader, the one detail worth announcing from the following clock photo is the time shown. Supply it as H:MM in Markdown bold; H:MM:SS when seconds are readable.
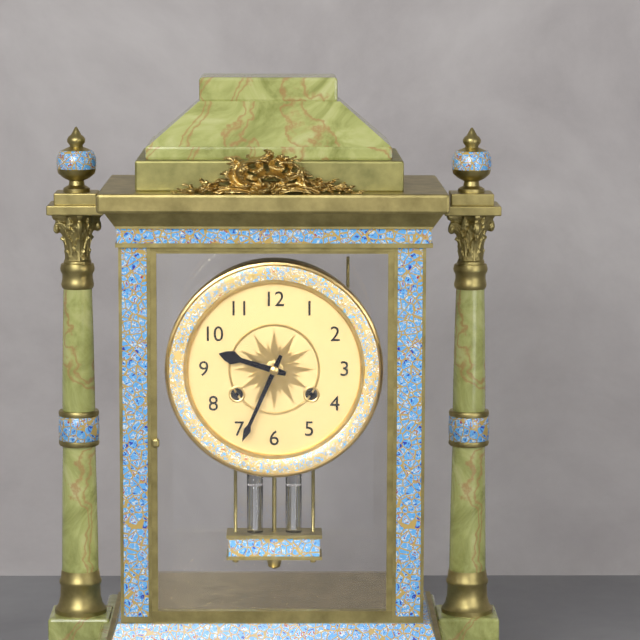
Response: **9:34**
